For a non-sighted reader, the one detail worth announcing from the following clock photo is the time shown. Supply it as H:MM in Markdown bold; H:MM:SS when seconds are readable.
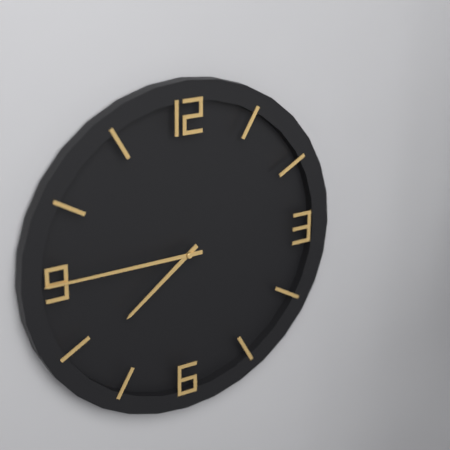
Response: **7:45**
